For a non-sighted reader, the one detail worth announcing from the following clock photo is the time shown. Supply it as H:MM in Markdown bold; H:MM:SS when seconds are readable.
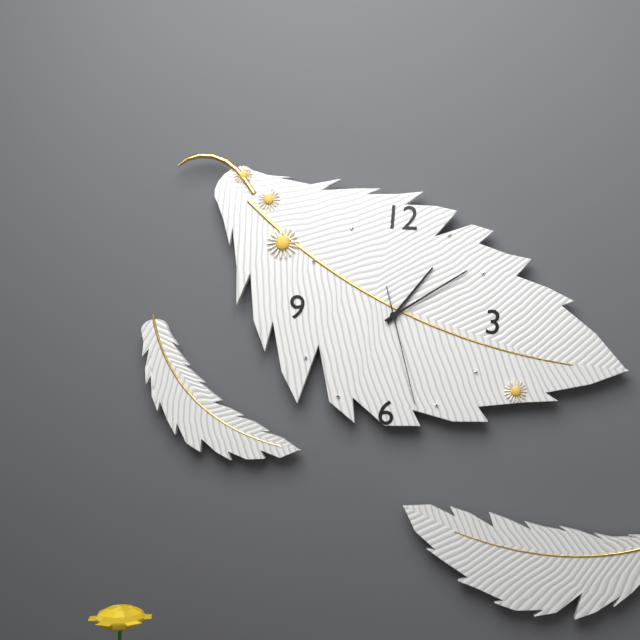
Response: **1:09:27**
